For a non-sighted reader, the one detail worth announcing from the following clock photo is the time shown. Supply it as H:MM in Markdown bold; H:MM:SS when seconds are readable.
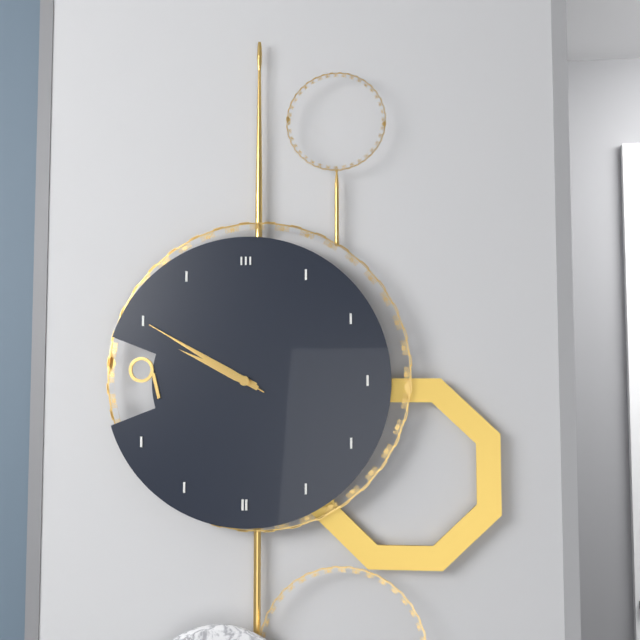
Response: **9:50:50**
